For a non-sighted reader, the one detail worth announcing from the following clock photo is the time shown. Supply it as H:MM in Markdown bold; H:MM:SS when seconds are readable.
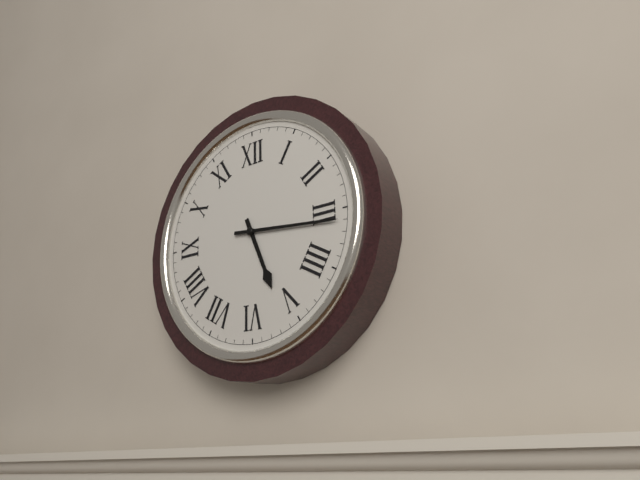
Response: **5:16**
